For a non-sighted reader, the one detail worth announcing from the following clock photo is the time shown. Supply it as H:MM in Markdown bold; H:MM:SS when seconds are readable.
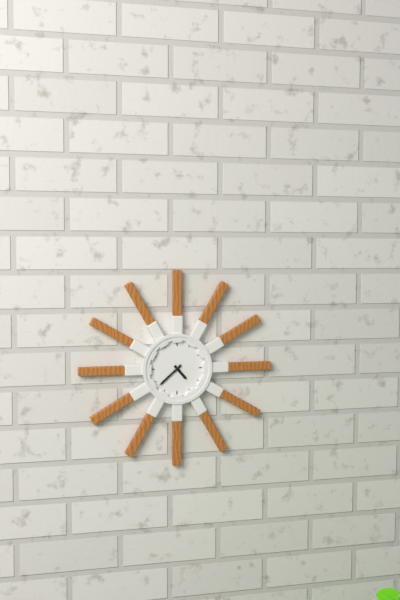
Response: **4:38**
